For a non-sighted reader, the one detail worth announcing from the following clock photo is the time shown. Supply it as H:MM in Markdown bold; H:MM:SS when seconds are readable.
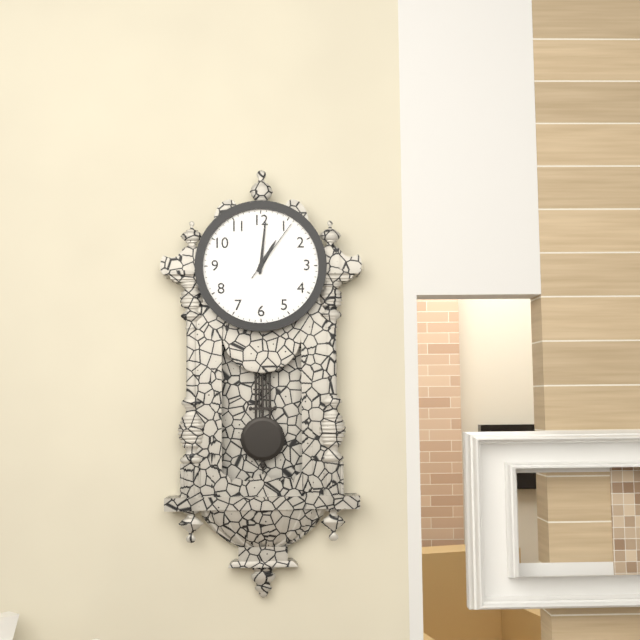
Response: **1:01:06**
